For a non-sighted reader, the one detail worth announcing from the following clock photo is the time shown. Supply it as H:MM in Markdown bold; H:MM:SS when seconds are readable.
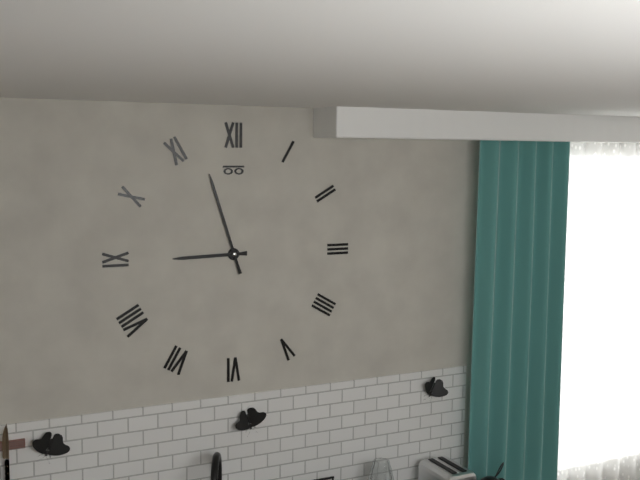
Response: **8:57**
